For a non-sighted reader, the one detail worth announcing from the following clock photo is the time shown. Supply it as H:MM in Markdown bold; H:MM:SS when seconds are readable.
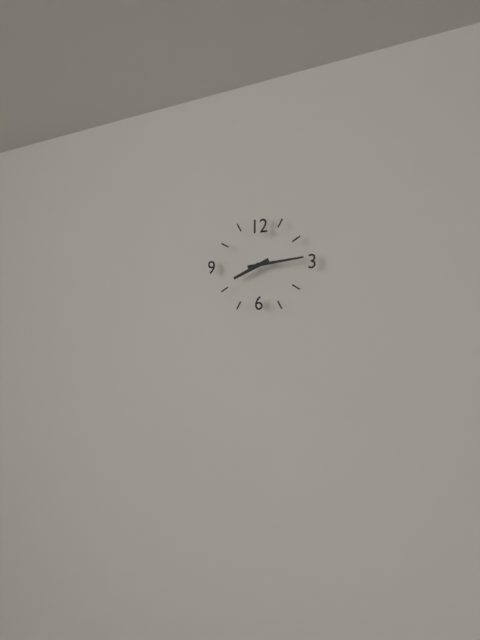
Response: **8:14**
